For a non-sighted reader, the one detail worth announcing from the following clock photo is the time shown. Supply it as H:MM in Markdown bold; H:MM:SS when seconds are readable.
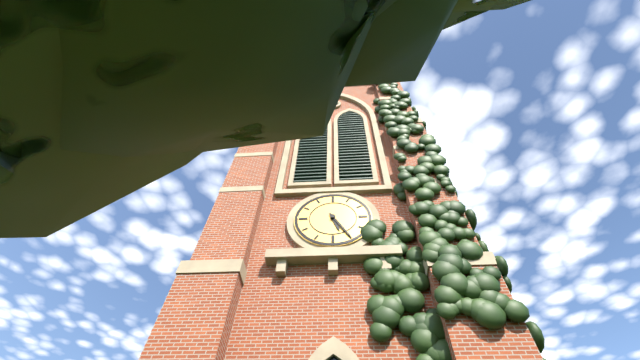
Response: **5:25**
